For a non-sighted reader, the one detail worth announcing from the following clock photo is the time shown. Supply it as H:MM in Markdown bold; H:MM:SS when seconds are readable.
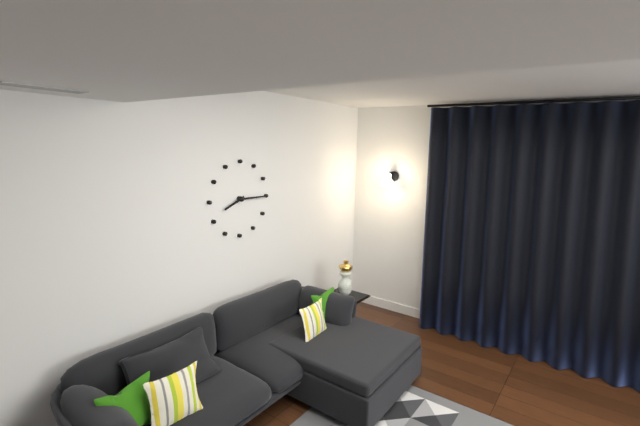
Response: **8:15**
